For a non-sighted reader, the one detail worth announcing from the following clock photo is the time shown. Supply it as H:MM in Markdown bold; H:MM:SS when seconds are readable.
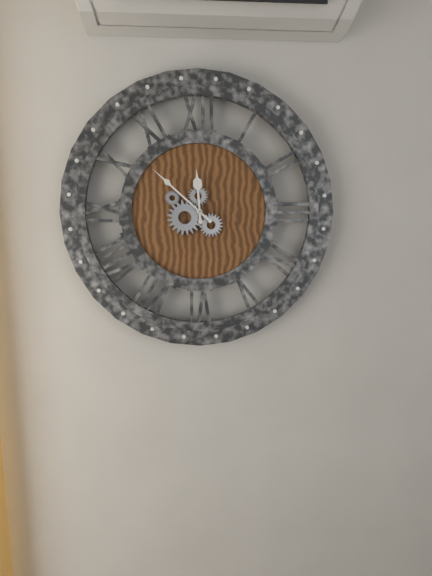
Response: **11:52**
